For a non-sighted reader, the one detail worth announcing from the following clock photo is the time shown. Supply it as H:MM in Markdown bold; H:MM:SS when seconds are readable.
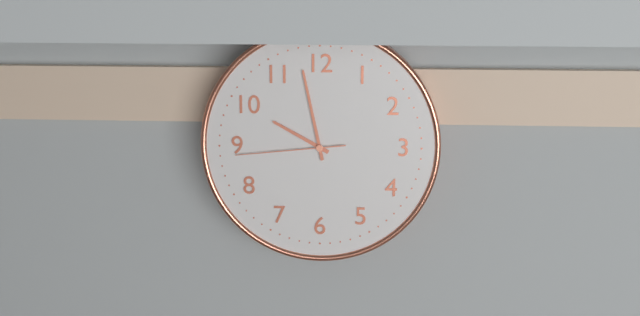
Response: **9:58:44**
